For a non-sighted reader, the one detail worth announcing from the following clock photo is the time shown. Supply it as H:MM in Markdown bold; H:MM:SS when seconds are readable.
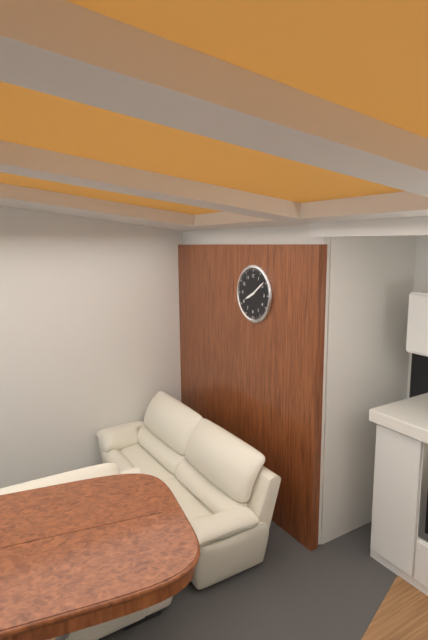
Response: **8:09**
